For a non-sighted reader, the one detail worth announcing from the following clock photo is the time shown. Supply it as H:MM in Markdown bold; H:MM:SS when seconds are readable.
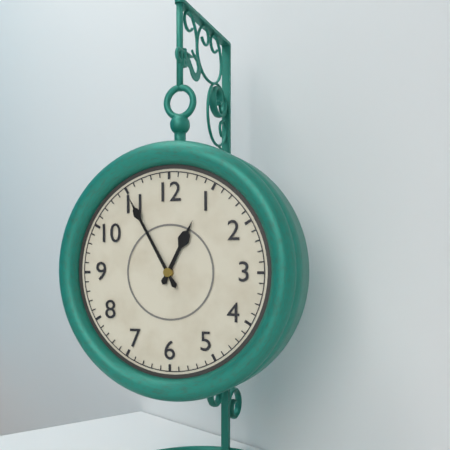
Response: **12:55**
